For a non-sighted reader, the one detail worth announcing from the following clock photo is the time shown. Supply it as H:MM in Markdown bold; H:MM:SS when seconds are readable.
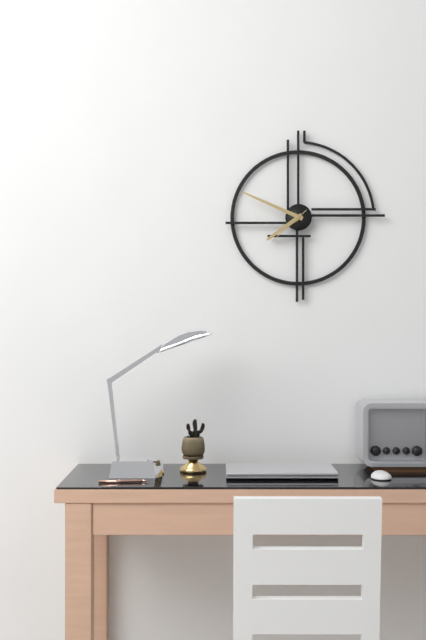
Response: **7:49**
